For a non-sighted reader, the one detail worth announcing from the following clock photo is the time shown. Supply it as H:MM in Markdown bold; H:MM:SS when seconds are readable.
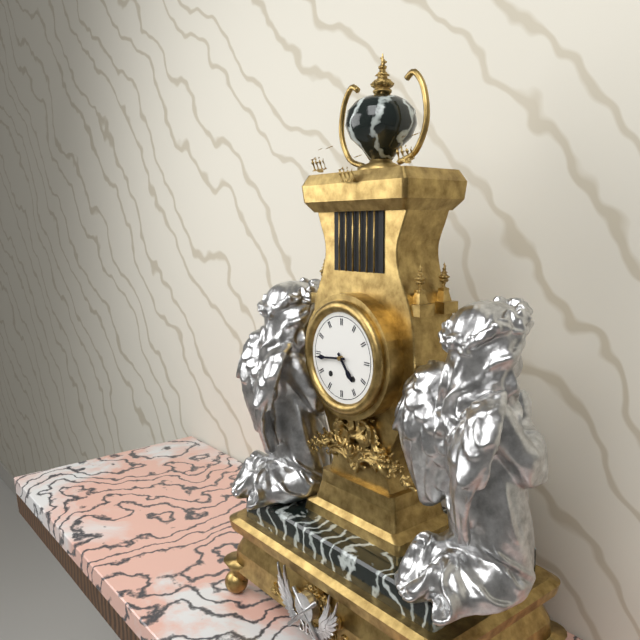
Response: **4:44**
